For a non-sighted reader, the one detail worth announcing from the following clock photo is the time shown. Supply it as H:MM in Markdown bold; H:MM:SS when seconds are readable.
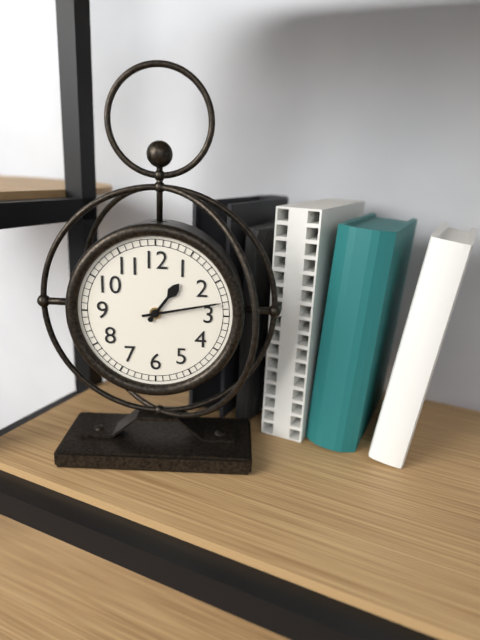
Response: **1:13**
